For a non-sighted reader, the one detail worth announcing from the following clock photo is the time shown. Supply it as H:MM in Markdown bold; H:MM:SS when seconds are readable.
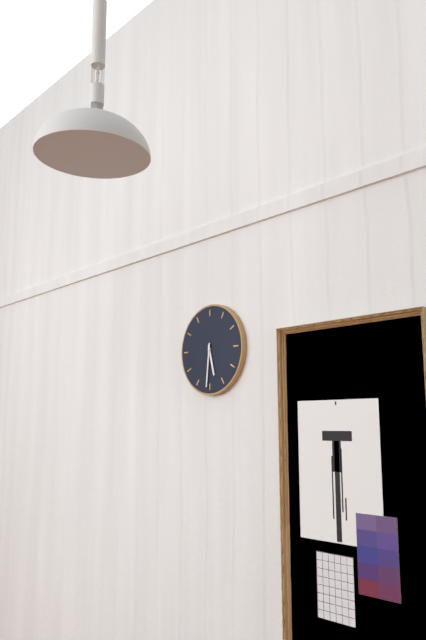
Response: **5:31**
